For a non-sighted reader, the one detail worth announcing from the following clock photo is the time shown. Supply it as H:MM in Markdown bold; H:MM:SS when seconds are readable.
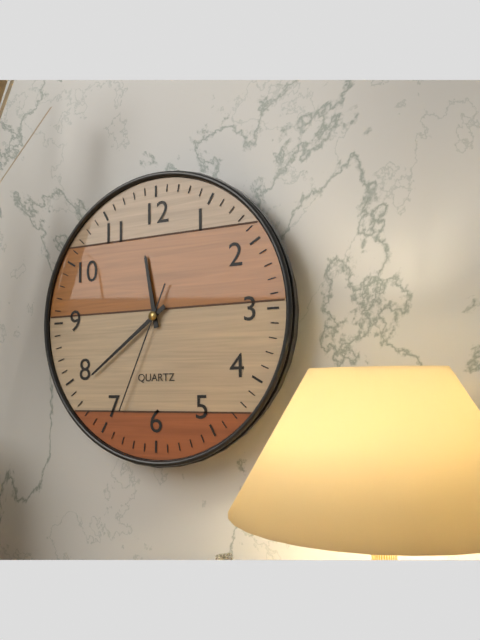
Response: **11:39:34**
